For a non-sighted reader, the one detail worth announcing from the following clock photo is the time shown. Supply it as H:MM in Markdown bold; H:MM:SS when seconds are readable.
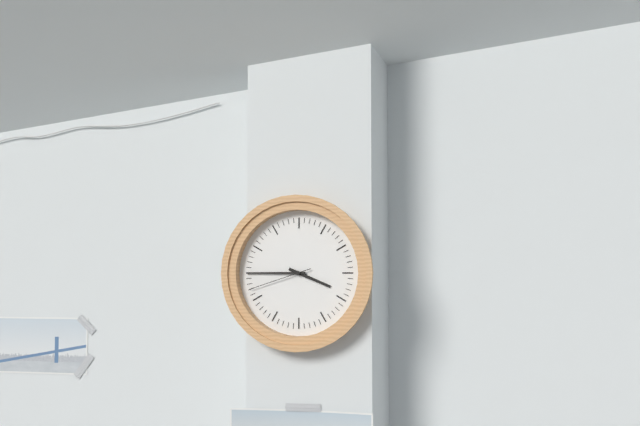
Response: **3:45:42**
